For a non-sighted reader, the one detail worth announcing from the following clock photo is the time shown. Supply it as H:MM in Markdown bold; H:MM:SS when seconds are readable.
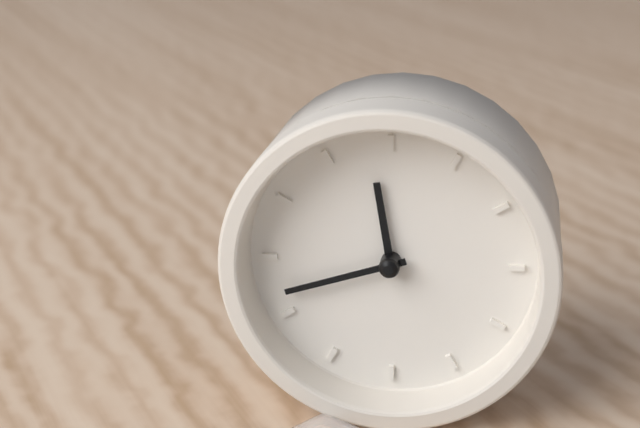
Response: **11:42**
